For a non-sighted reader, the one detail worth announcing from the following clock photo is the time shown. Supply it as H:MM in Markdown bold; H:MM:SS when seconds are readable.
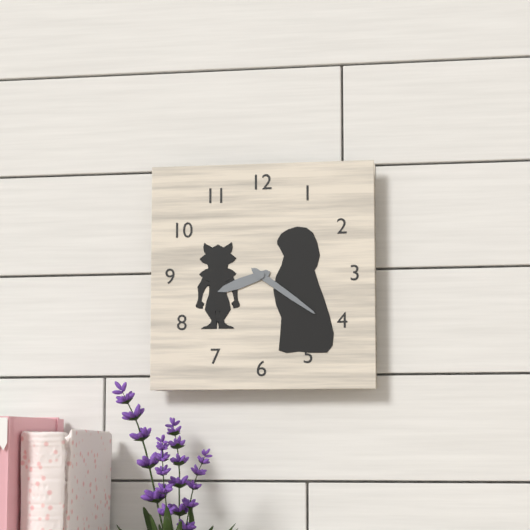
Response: **8:21**
